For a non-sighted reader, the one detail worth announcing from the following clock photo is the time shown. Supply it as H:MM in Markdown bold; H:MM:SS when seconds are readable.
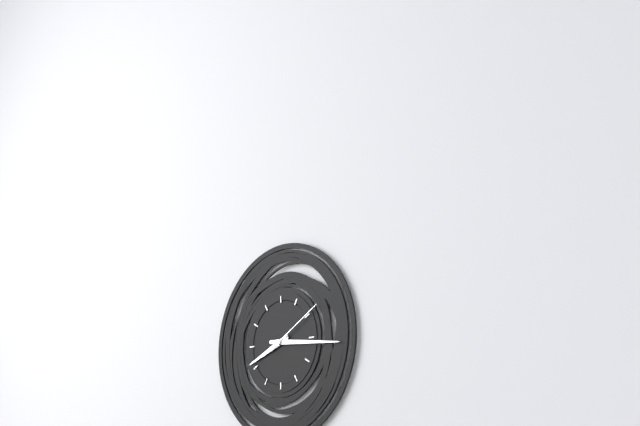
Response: **8:16:10**
